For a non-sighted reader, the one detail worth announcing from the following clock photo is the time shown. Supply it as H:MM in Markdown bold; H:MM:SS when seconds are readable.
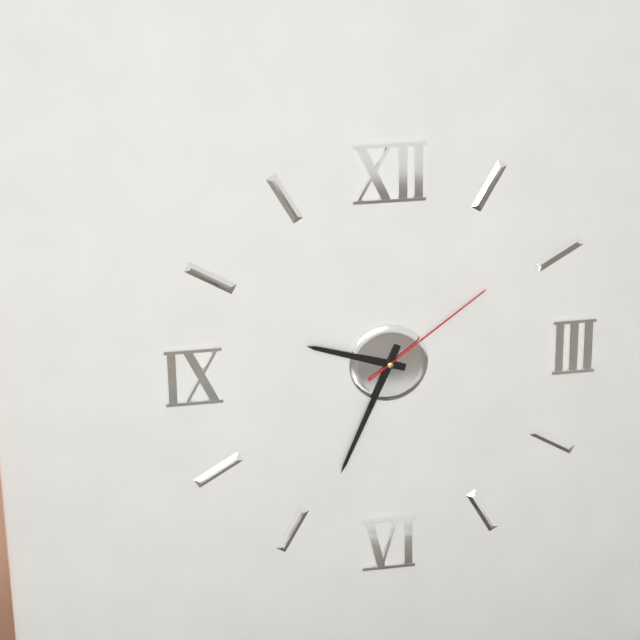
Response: **9:34:09**
